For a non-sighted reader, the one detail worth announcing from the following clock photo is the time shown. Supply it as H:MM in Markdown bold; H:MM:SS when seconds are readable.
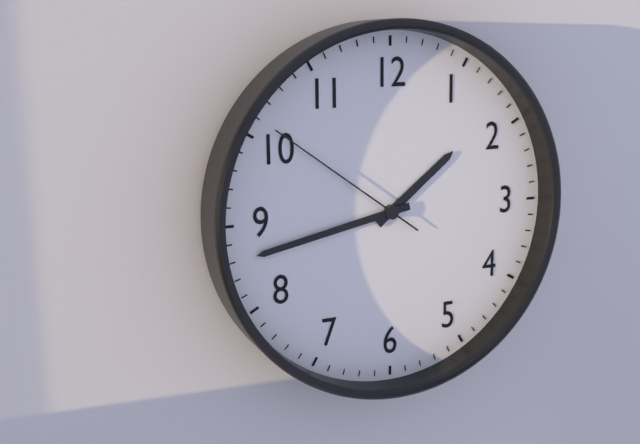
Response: **1:43:51**
